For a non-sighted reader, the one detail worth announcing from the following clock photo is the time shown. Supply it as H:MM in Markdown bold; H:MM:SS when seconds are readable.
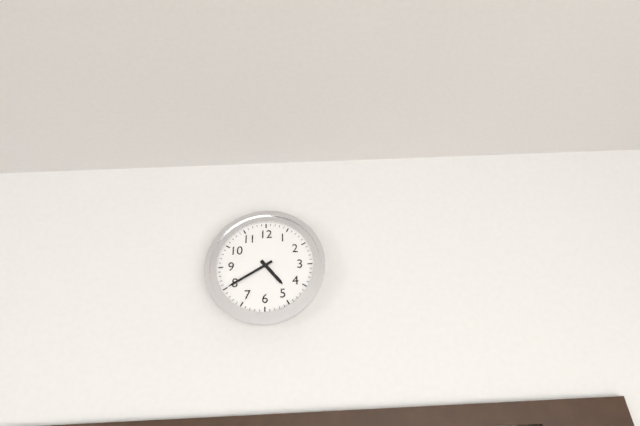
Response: **4:40**
